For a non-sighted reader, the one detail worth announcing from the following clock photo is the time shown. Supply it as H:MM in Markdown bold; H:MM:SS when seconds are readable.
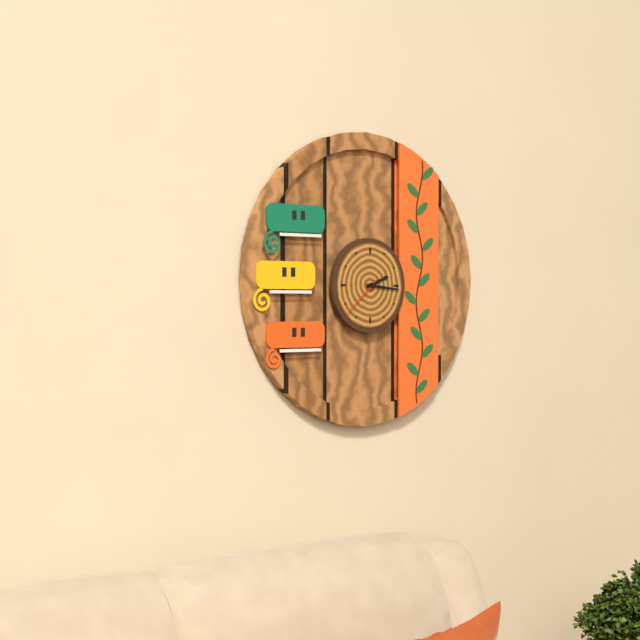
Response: **2:16**
